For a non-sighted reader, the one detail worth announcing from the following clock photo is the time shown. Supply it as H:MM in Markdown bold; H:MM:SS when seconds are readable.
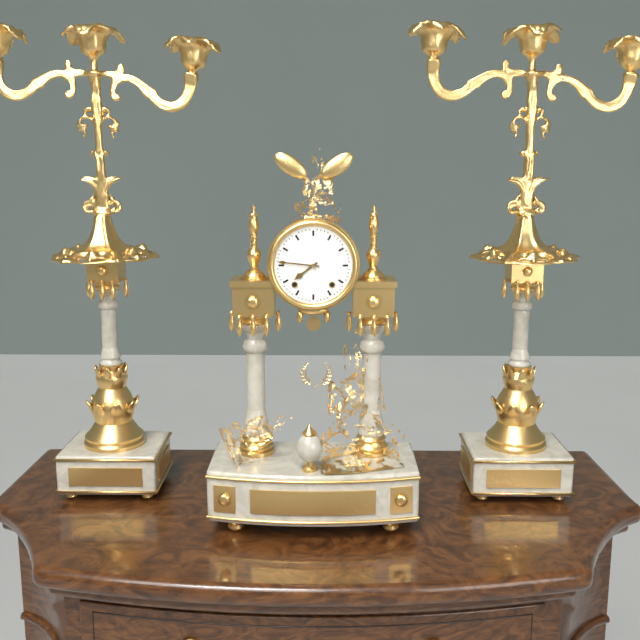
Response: **7:46**
